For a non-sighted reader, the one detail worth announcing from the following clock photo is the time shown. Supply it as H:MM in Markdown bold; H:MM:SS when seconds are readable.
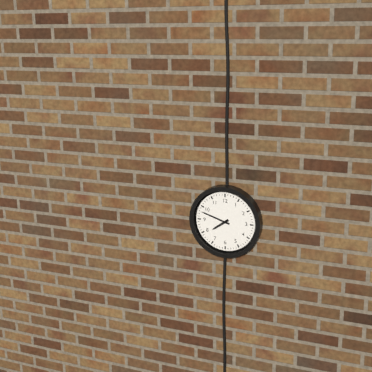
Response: **7:48**
